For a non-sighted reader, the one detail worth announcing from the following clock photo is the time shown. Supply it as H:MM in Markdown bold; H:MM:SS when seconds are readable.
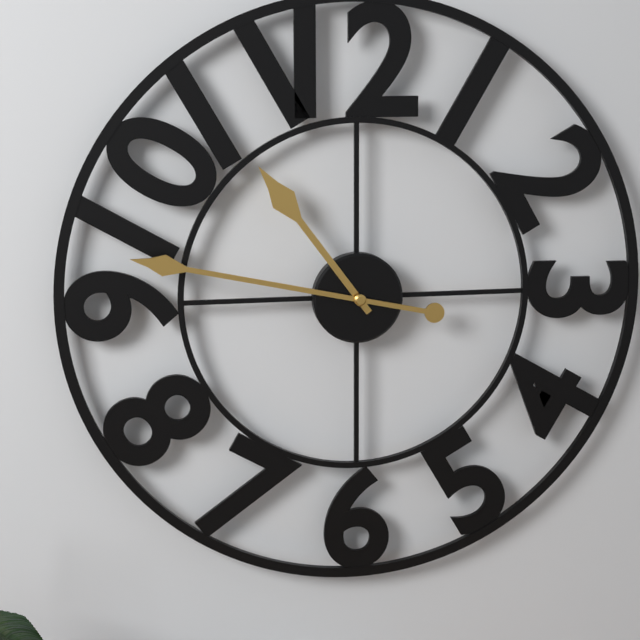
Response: **10:47**
